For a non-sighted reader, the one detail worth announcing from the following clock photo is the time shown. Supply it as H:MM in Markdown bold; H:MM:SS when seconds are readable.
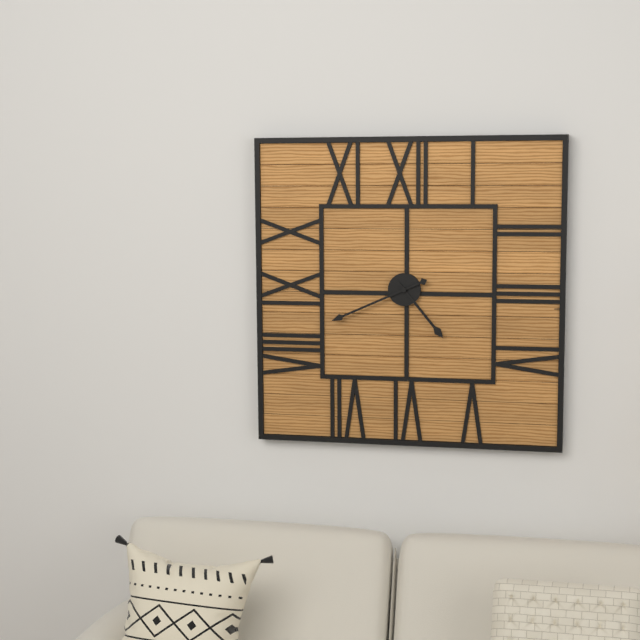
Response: **4:41**
